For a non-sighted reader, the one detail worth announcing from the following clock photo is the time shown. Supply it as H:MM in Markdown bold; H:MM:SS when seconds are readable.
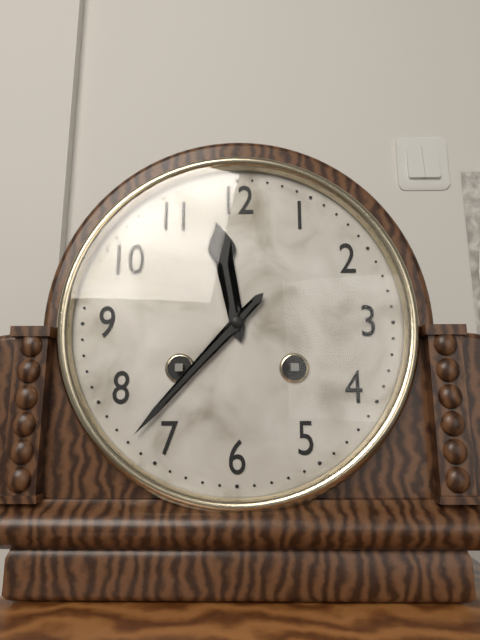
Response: **11:37**
